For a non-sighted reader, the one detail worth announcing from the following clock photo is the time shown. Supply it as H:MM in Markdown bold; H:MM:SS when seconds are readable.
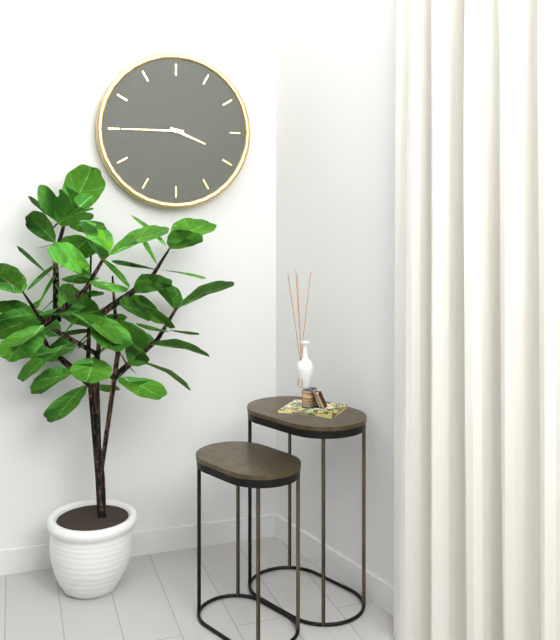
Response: **3:45**
